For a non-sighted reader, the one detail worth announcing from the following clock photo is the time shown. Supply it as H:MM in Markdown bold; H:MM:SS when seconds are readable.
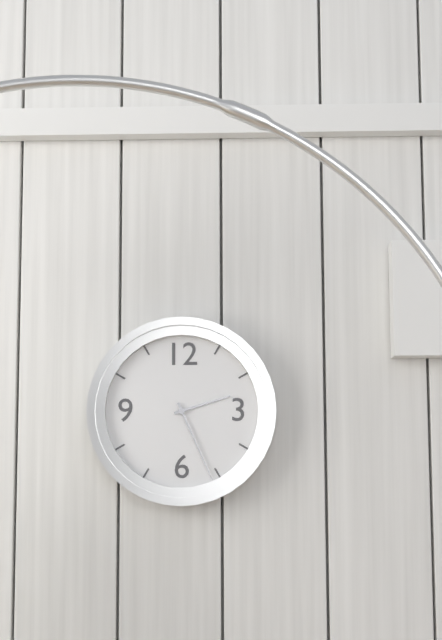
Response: **2:26**
